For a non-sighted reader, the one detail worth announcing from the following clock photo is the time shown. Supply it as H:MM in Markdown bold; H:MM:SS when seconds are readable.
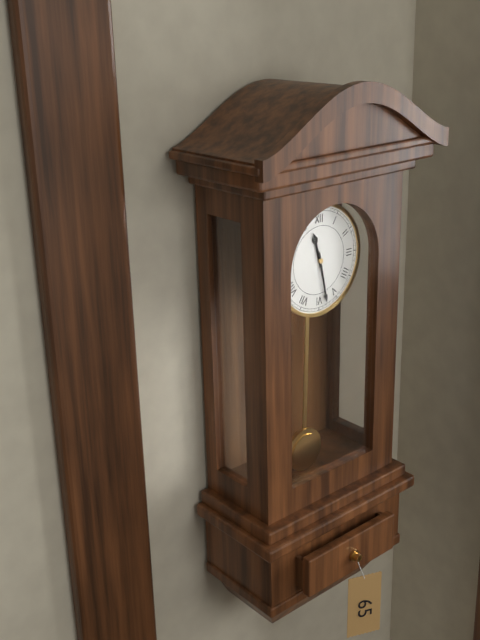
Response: **11:28**
